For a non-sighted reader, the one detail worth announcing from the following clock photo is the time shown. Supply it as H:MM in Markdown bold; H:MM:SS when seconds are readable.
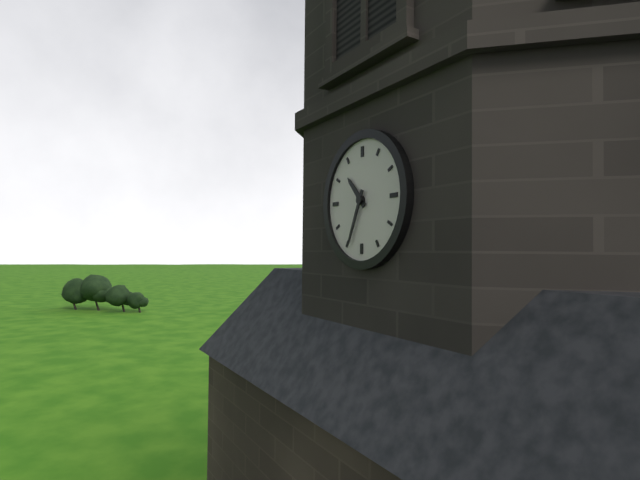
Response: **10:34**
